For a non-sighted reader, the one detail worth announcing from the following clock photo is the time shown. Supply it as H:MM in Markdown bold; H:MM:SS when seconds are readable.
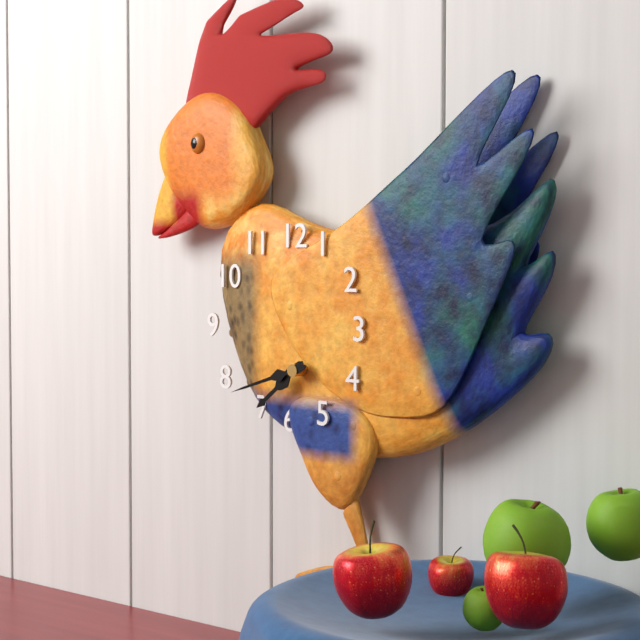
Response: **7:42**
